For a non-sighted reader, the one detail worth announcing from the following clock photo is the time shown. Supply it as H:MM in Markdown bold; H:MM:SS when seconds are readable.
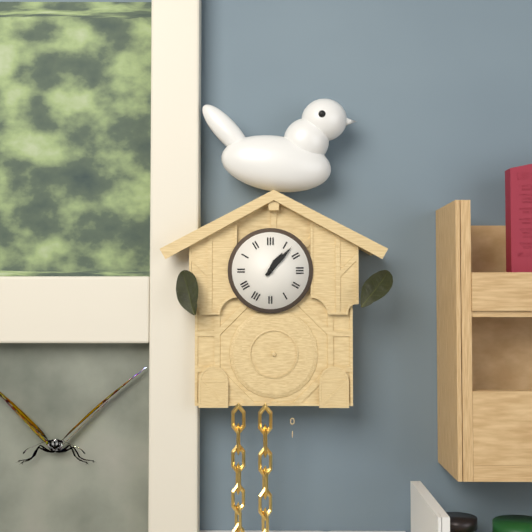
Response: **1:07**
